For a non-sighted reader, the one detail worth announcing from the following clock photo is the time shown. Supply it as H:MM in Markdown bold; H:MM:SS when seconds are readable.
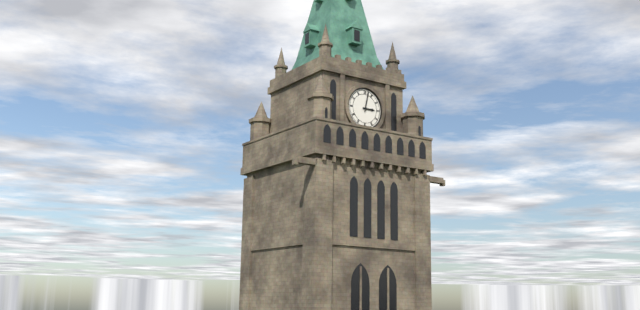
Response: **3:02**
